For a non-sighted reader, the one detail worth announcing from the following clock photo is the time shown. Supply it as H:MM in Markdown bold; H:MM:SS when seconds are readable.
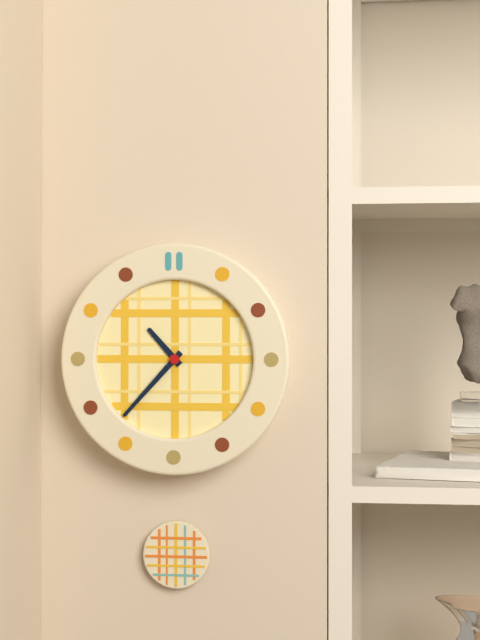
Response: **10:37**
